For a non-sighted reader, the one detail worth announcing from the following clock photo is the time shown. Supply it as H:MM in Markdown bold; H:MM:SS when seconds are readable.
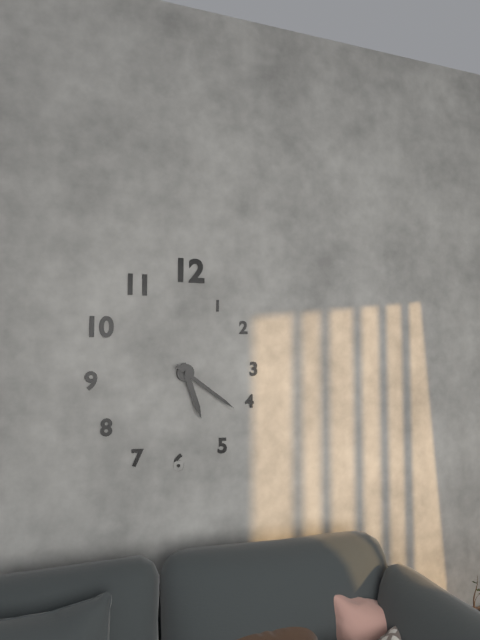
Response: **5:21**
